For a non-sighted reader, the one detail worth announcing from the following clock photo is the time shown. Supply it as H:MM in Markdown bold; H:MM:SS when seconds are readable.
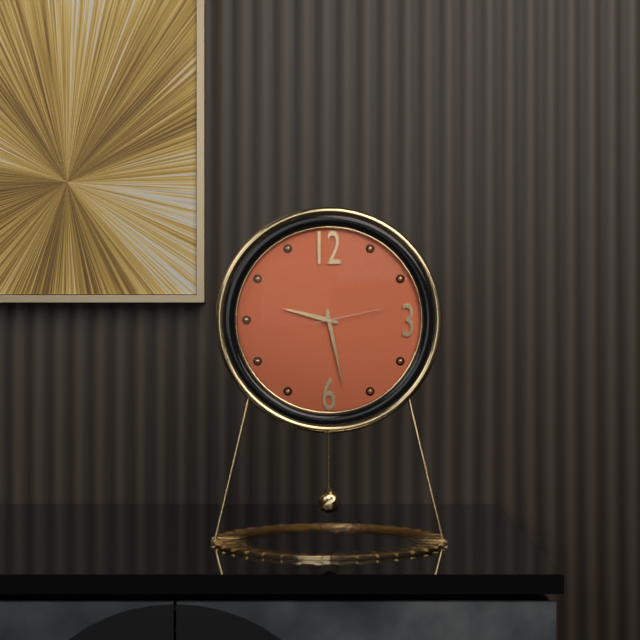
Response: **9:28:13**
